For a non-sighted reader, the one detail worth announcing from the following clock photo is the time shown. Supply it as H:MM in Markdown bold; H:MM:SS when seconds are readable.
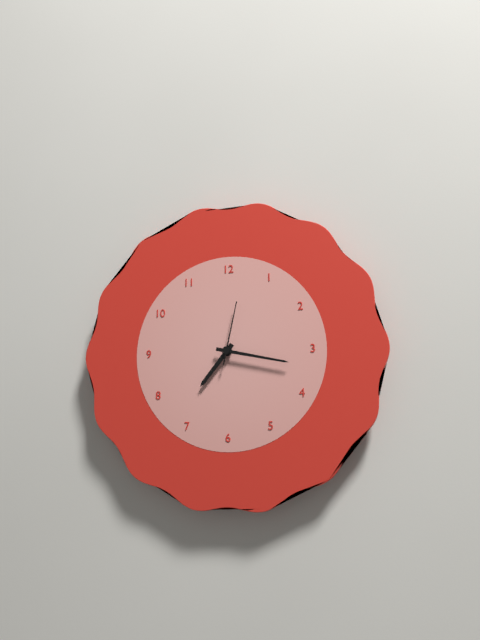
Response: **7:17:02**
